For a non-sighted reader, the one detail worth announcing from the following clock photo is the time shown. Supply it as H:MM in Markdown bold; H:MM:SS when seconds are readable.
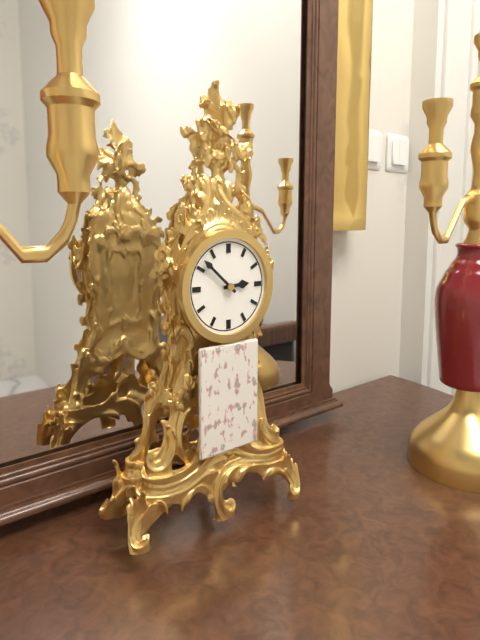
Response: **2:52**
